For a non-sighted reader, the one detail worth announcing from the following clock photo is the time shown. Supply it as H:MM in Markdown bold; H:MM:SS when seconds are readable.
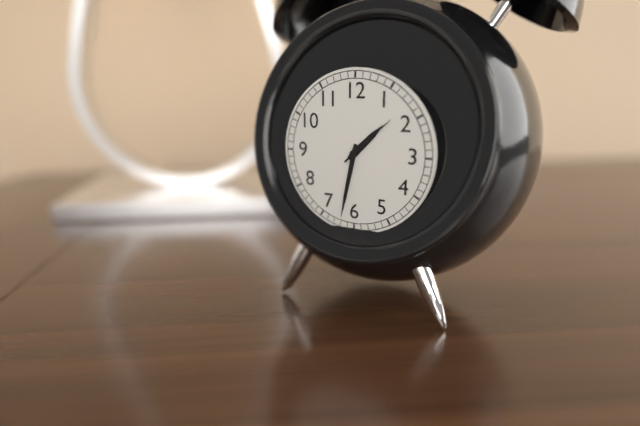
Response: **1:32:08**
